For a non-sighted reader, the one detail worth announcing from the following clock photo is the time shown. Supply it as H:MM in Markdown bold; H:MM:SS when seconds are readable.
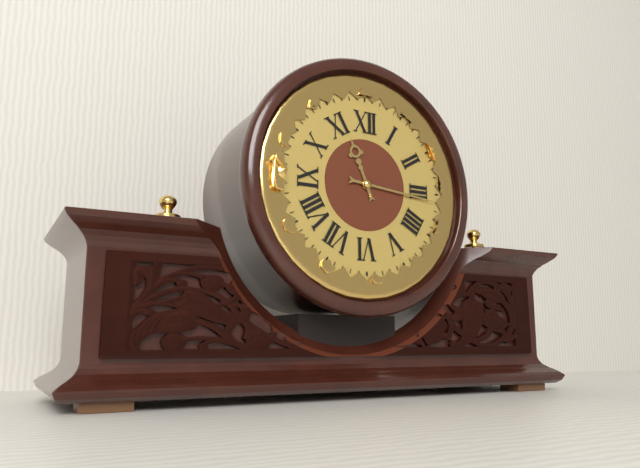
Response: **11:16**
